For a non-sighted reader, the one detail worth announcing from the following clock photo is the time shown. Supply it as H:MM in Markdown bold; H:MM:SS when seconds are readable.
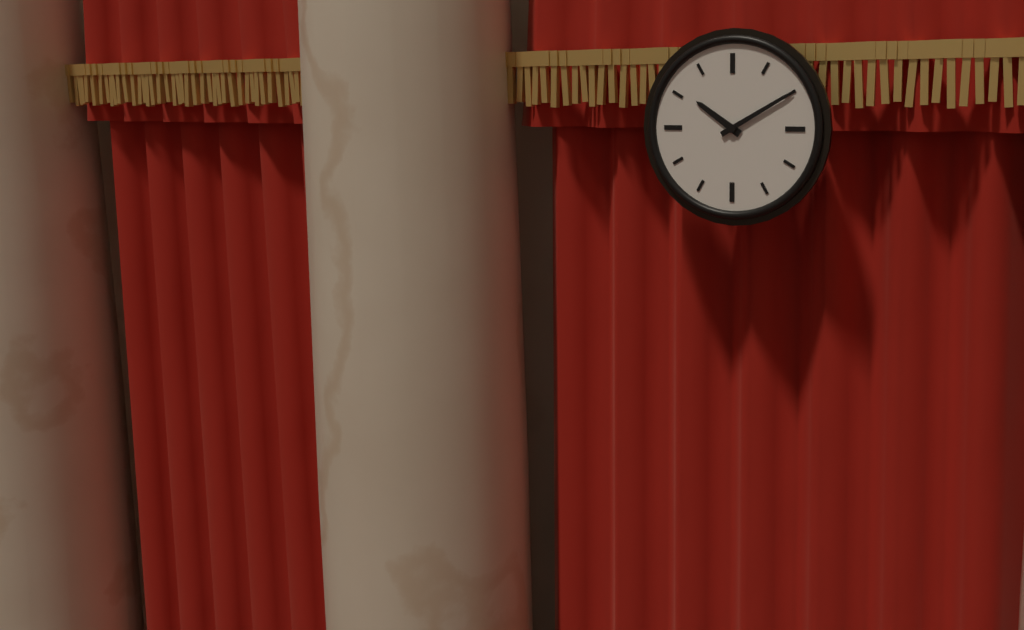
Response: **10:10**
